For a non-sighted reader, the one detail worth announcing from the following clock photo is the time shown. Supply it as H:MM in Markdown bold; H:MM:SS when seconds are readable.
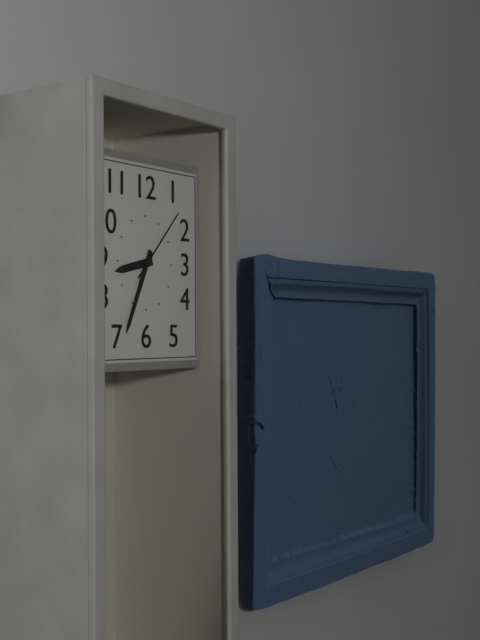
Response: **8:34:07**
